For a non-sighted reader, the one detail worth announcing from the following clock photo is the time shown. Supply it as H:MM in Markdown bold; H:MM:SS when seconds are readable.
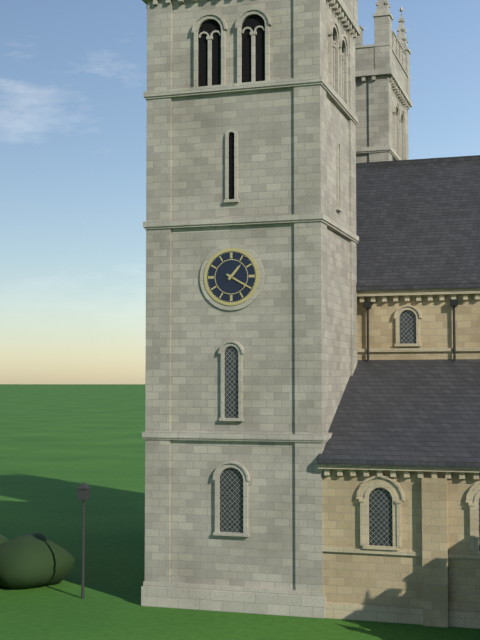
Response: **1:20**
